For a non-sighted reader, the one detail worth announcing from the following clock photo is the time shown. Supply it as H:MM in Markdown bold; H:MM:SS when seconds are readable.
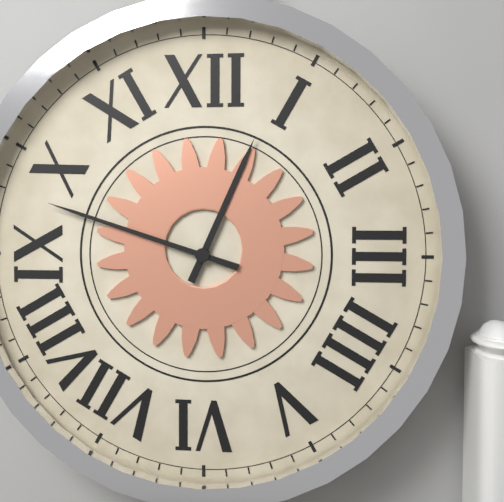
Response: **12:48**
